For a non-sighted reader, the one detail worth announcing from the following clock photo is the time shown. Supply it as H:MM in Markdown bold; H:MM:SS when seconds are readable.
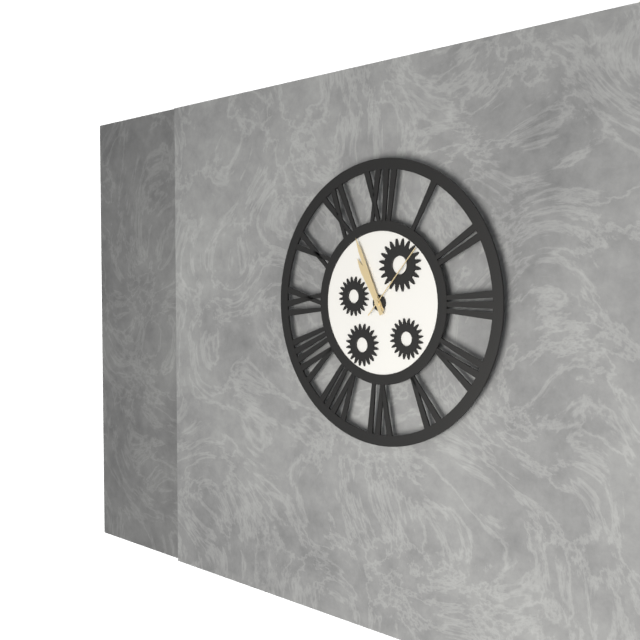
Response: **10:56:07**
